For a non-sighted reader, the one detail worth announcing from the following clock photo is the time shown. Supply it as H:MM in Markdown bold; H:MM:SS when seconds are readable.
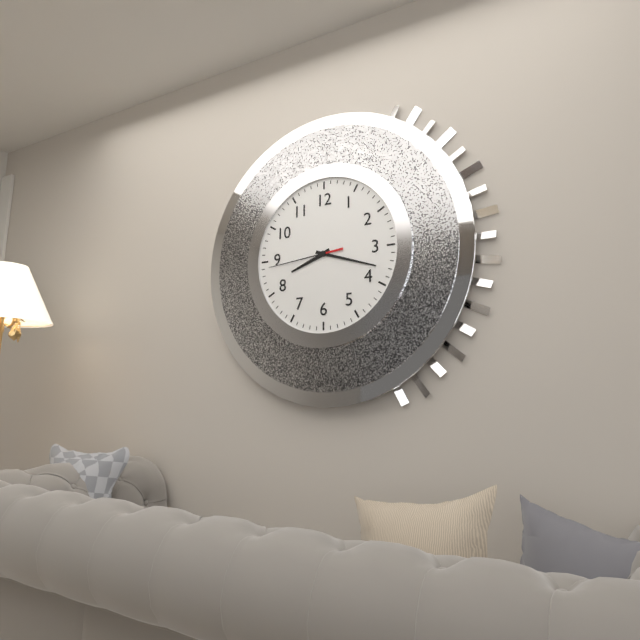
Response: **8:18:44**
